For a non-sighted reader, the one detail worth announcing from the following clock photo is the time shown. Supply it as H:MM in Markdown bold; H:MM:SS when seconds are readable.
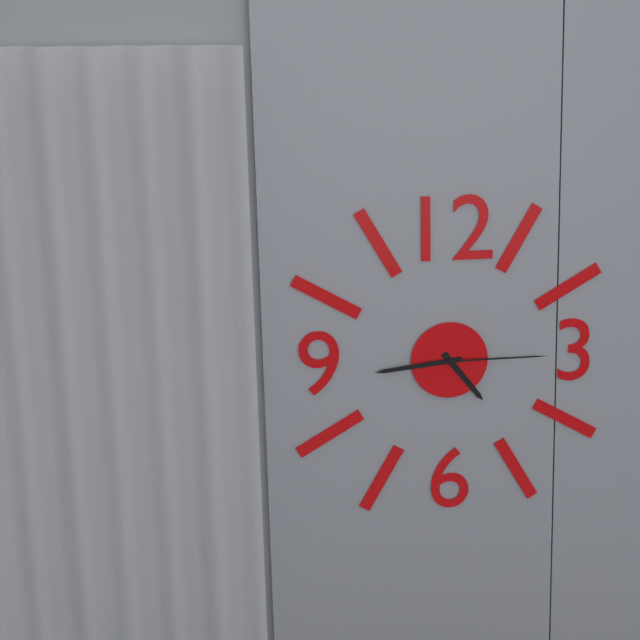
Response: **4:44:15**
